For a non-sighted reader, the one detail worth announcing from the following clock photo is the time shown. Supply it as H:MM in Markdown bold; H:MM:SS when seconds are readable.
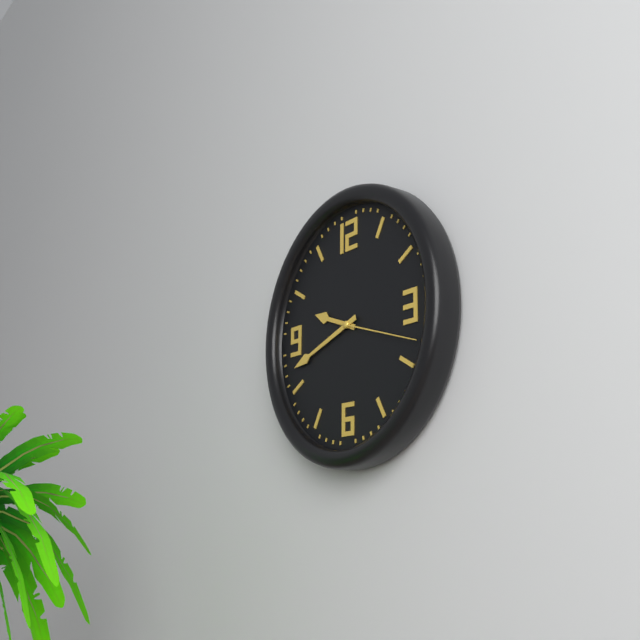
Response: **9:42:18**
